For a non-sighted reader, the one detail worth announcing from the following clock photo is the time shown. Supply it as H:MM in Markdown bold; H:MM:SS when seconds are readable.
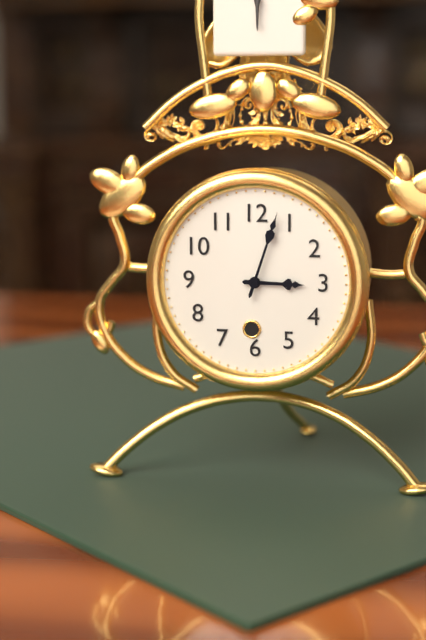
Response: **3:03**
